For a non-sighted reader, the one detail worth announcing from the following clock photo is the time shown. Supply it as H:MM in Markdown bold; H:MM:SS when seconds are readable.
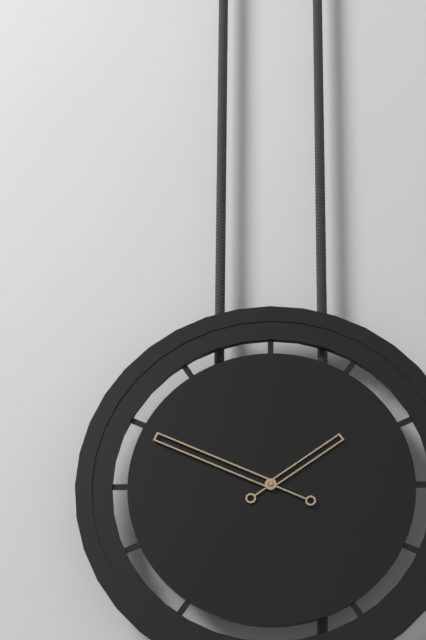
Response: **1:49**
